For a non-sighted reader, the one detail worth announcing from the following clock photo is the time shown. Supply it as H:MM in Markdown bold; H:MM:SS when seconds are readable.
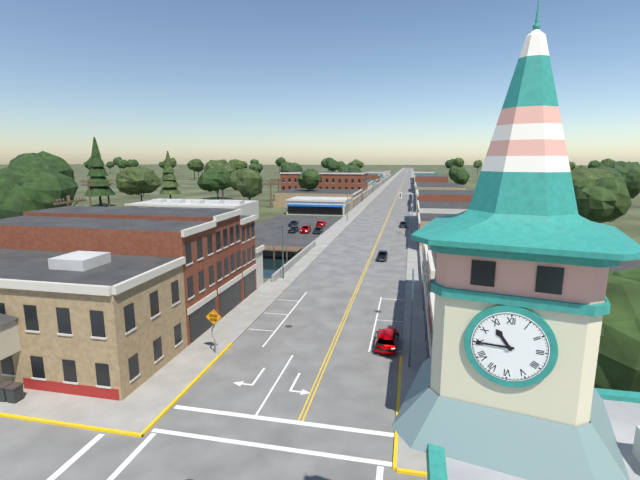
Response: **10:45**
